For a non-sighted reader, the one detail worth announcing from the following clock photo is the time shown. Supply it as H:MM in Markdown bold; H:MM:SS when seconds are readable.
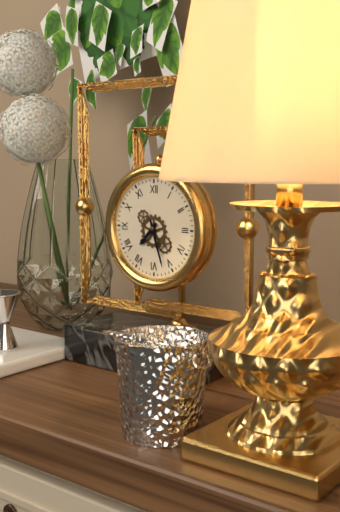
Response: **7:27**
